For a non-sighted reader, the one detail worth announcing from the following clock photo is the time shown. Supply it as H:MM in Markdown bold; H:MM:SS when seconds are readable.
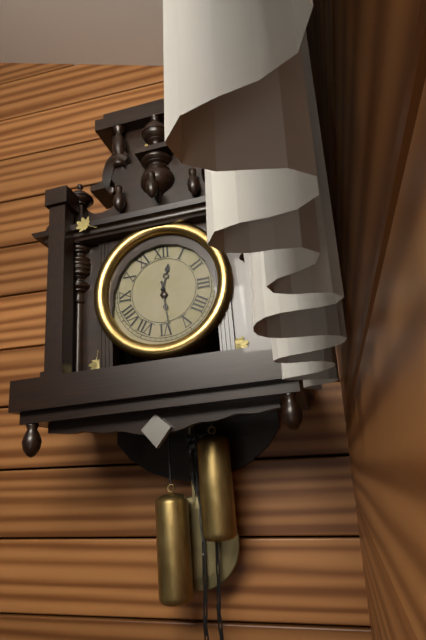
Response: **12:29**
